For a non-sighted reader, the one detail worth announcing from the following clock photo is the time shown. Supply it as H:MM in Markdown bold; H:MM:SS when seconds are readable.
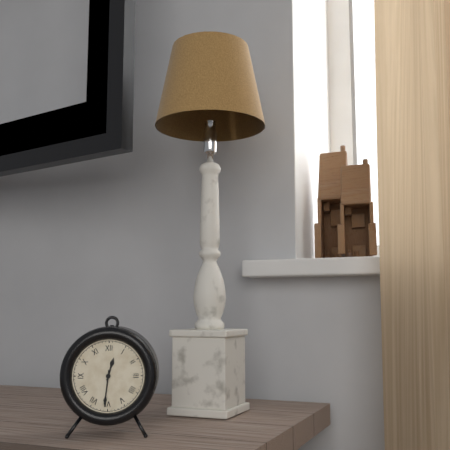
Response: **12:31**
